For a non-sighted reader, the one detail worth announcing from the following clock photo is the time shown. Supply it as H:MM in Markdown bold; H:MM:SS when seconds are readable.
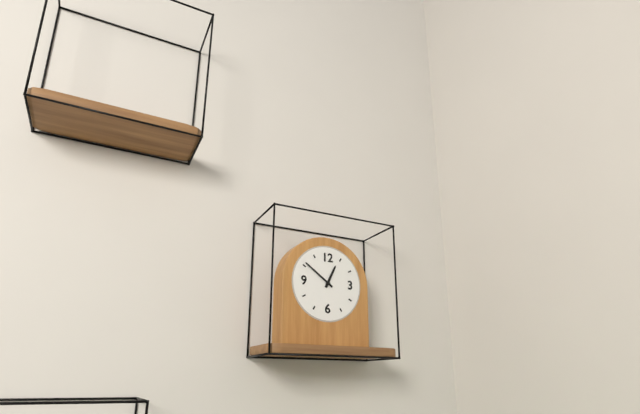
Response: **12:51**
